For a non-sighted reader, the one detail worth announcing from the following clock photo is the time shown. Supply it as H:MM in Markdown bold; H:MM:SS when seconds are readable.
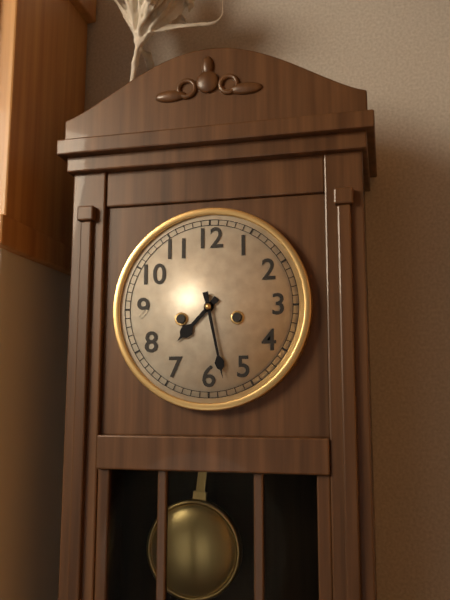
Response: **7:28**
